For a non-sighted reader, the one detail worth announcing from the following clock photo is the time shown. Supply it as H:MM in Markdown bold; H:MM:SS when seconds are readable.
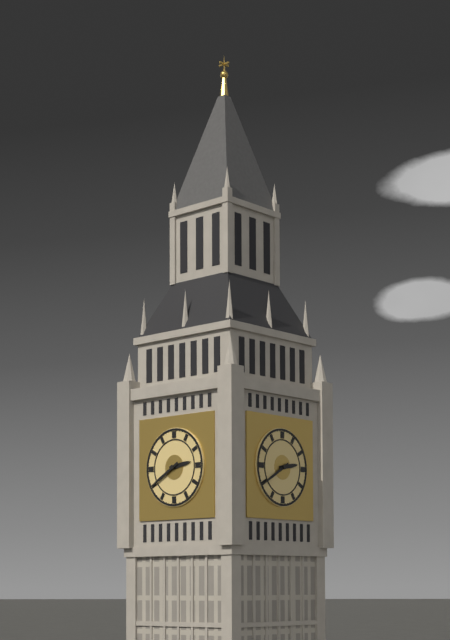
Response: **2:40**
